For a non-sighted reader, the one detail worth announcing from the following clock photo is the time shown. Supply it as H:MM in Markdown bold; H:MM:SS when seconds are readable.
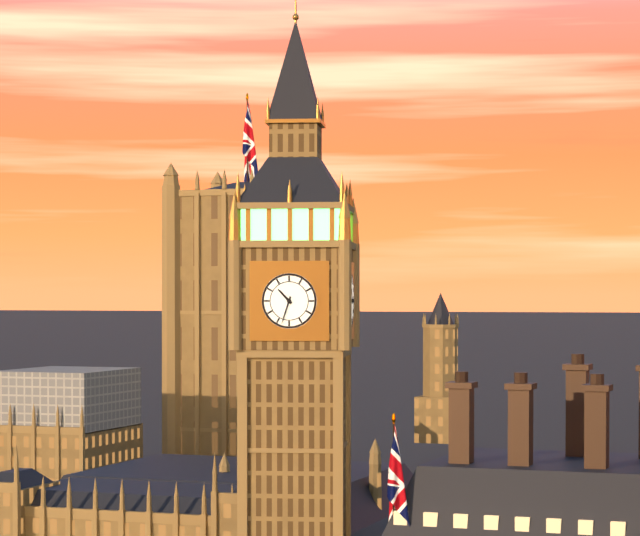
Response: **10:33**
